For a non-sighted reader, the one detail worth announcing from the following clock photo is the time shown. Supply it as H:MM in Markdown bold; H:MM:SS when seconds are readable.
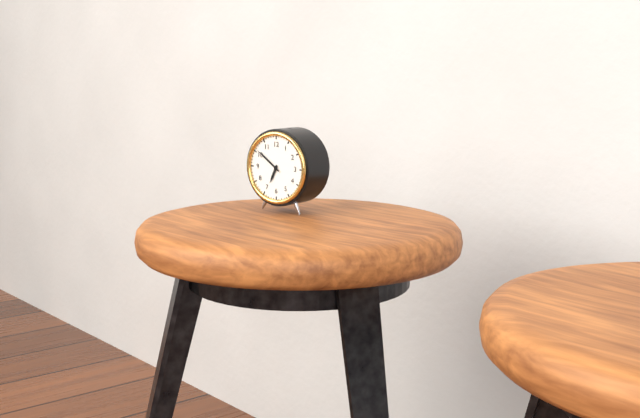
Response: **6:51**
